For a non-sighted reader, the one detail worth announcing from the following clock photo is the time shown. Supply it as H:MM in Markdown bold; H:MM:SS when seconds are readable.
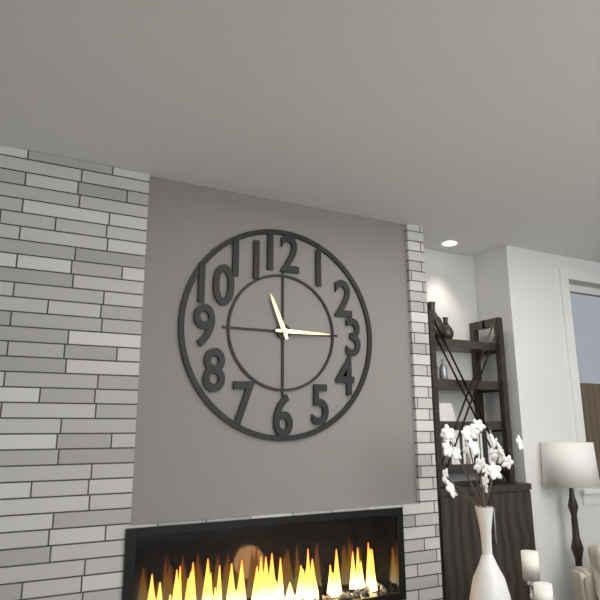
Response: **11:15**
